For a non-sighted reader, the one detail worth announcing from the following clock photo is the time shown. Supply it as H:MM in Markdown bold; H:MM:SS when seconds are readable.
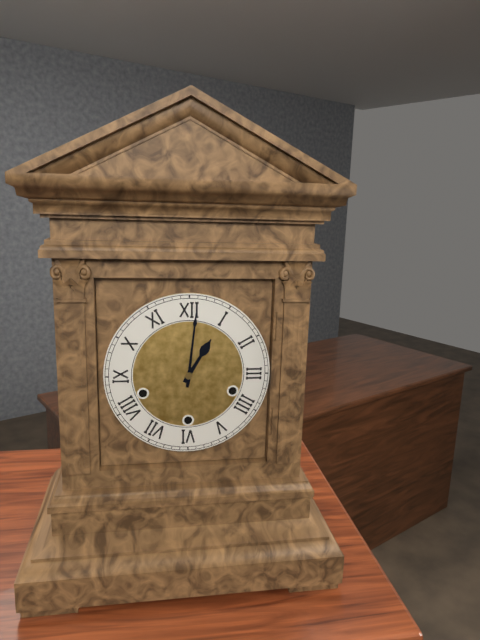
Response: **1:01**
